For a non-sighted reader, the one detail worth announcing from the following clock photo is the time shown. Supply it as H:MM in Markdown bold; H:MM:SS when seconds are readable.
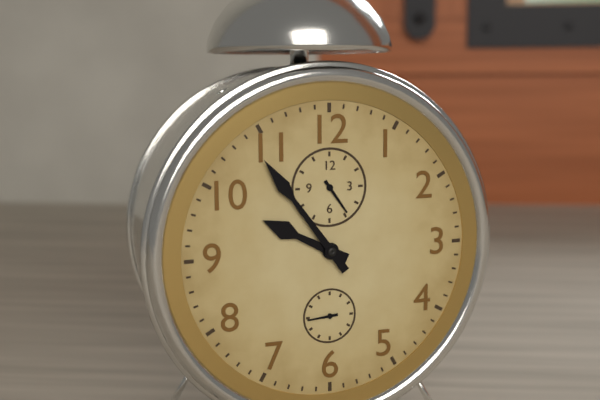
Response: **9:54**
